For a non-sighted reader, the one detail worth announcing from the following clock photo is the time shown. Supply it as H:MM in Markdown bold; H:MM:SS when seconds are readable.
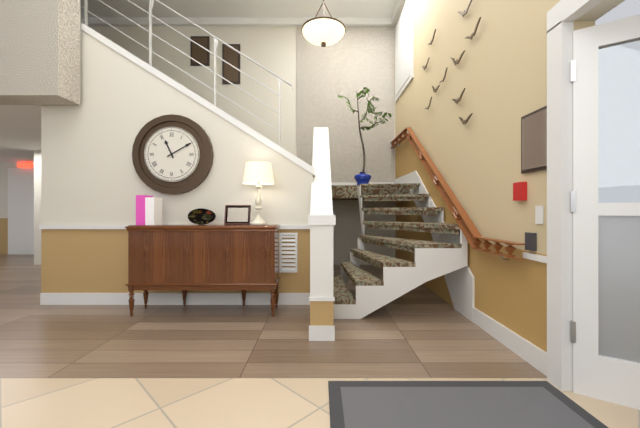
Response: **11:10**
